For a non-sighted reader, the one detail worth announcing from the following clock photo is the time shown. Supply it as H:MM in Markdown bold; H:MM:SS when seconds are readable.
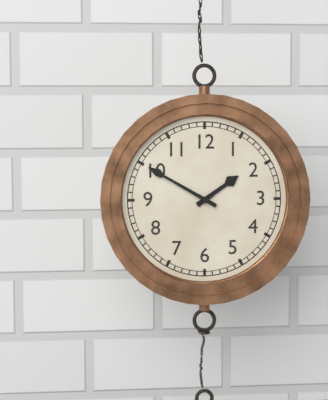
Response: **1:50**
